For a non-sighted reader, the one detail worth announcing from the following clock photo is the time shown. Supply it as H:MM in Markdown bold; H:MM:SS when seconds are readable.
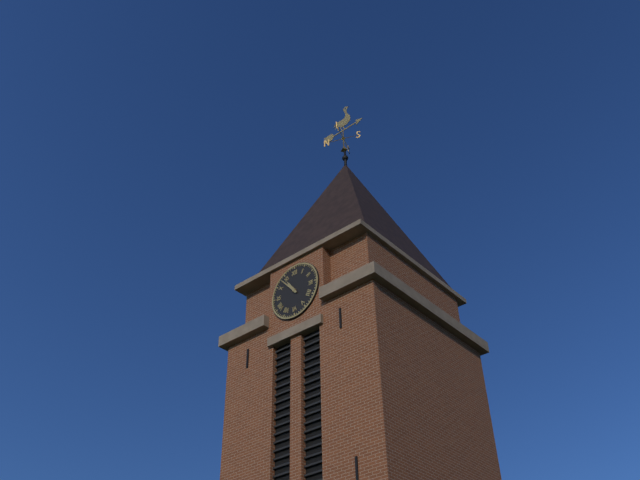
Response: **10:53**
